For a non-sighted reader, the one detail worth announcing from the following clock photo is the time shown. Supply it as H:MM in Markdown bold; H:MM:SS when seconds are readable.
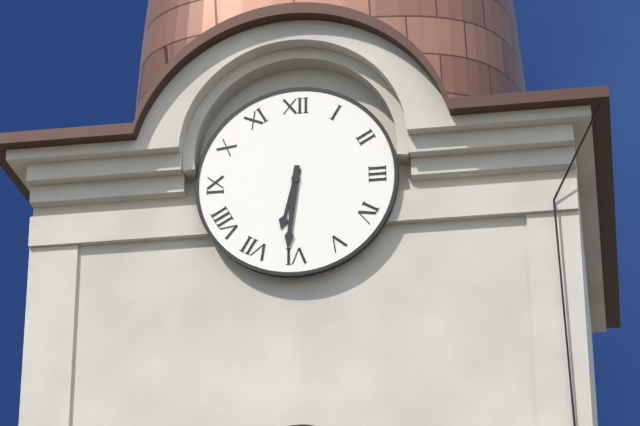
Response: **6:31**
